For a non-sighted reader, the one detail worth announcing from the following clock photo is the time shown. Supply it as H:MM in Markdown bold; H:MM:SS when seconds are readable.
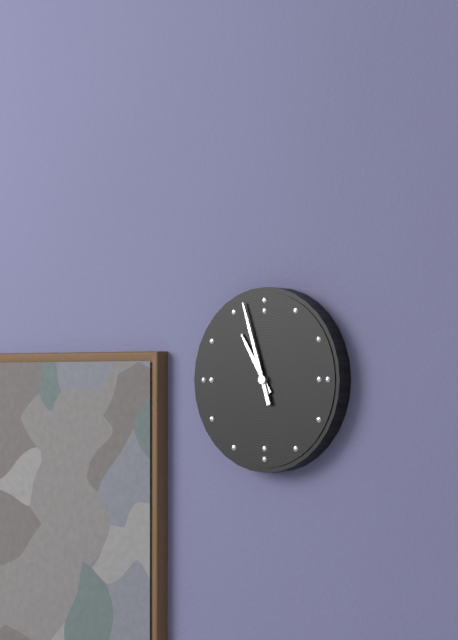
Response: **10:57**
